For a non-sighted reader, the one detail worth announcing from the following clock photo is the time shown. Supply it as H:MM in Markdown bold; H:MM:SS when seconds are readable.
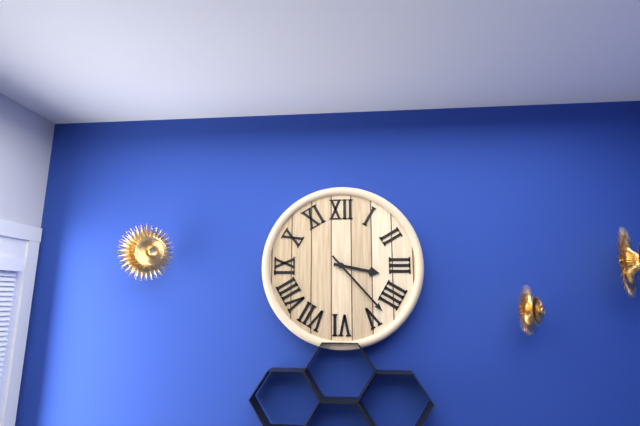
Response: **3:23**
